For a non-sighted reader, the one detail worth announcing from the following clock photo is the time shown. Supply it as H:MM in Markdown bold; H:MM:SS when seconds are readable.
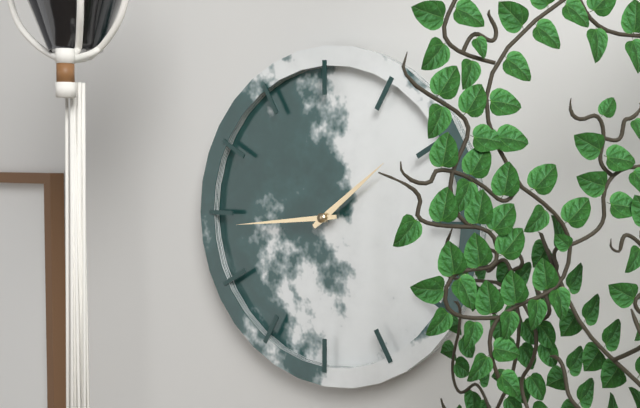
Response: **1:44**
